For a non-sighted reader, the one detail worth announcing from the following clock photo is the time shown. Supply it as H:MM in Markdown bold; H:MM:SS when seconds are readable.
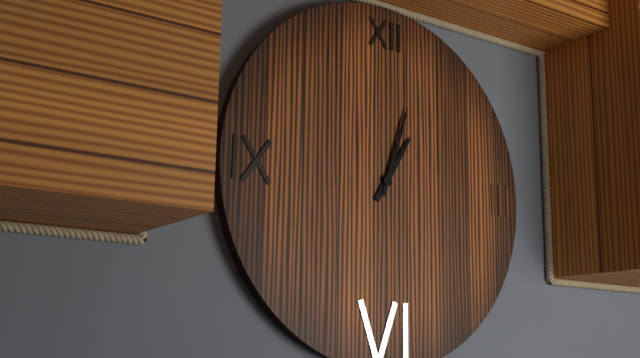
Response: **1:03**
